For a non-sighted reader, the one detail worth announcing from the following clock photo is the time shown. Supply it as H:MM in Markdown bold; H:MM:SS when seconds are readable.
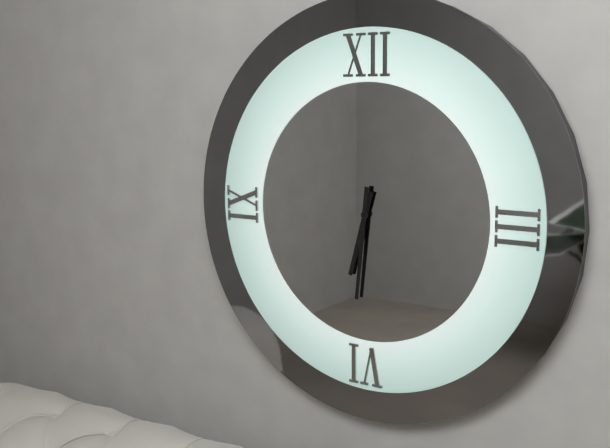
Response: **6:31**
